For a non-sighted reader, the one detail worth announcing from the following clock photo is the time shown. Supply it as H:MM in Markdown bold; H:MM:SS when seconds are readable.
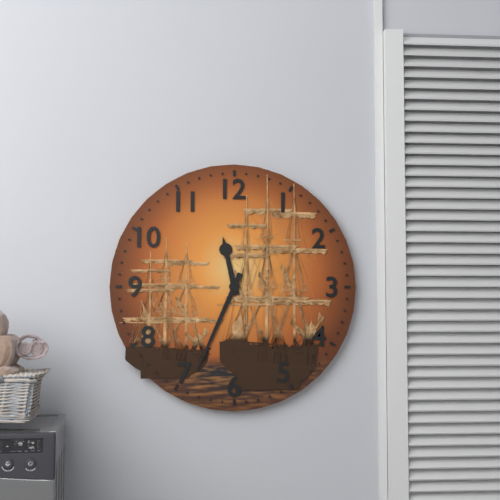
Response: **11:34**
